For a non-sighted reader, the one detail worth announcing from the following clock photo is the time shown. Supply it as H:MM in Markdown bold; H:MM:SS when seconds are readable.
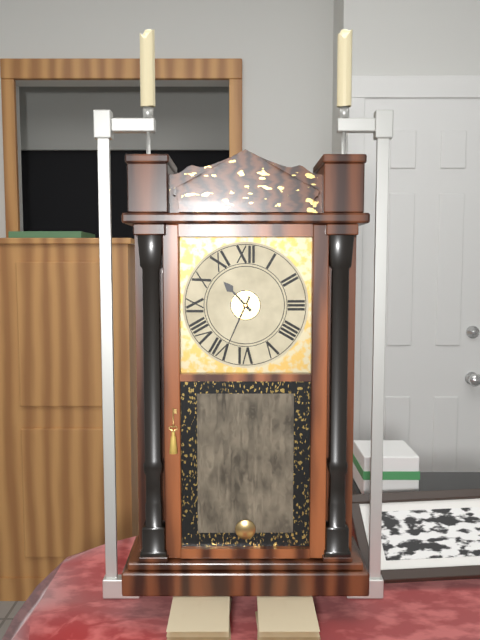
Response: **10:34**
